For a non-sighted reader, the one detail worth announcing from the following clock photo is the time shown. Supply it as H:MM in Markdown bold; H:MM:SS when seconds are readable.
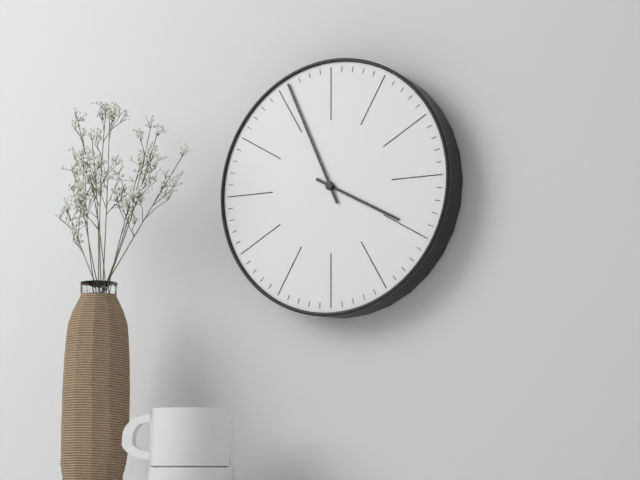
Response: **3:56**
